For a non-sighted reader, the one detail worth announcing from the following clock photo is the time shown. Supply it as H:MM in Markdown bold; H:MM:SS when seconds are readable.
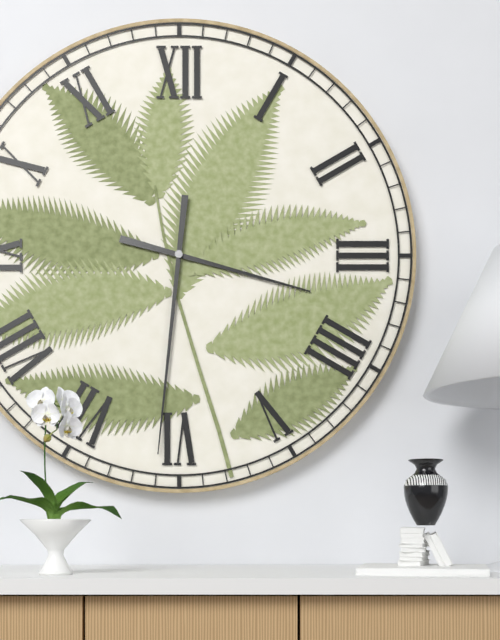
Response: **3:31**
